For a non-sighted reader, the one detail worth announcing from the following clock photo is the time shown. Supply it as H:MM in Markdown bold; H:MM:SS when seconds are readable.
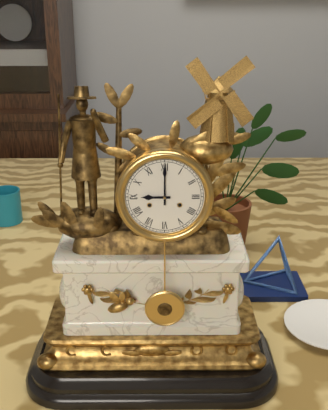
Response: **9:00**
